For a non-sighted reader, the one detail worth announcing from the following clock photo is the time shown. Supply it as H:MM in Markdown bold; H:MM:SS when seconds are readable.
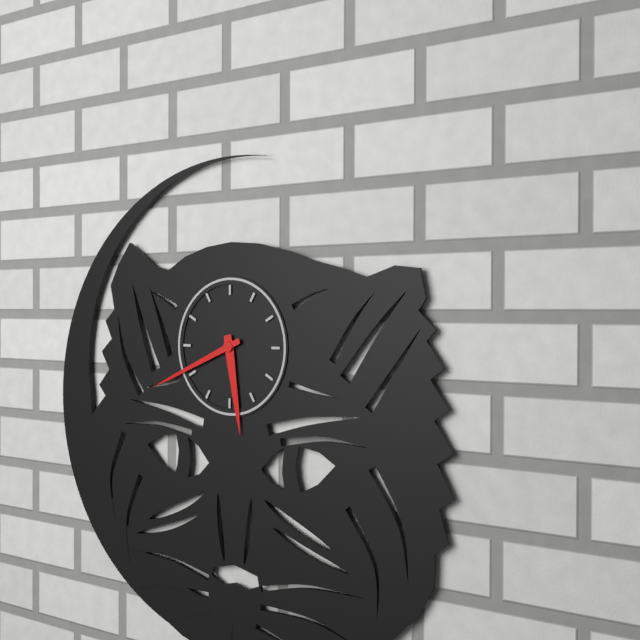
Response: **5:41**
